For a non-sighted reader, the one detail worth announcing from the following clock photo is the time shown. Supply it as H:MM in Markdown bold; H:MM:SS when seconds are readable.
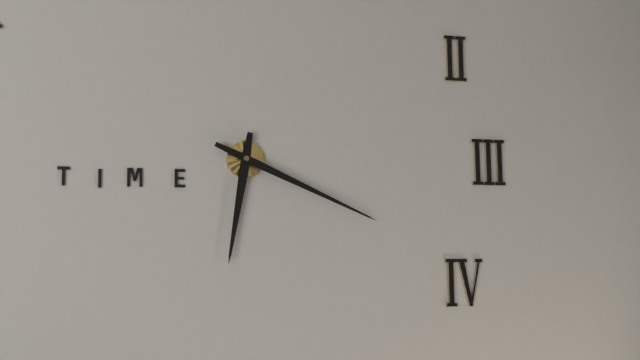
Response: **6:19**
